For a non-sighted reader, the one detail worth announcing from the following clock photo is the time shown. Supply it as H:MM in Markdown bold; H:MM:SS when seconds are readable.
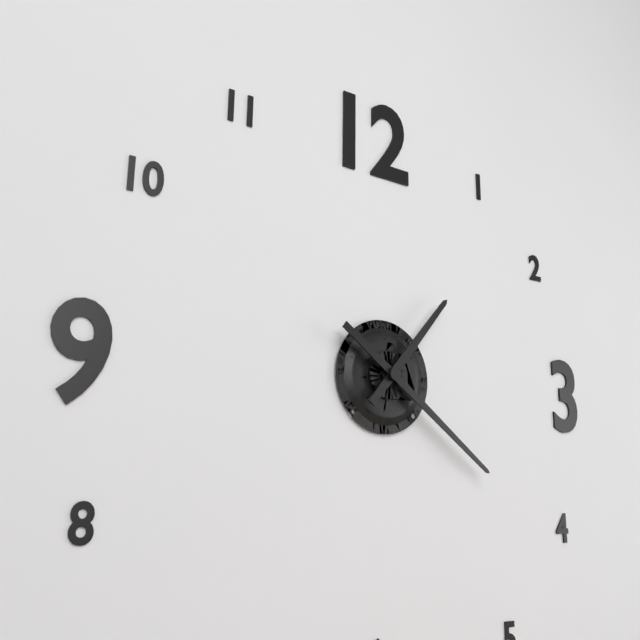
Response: **1:21**
